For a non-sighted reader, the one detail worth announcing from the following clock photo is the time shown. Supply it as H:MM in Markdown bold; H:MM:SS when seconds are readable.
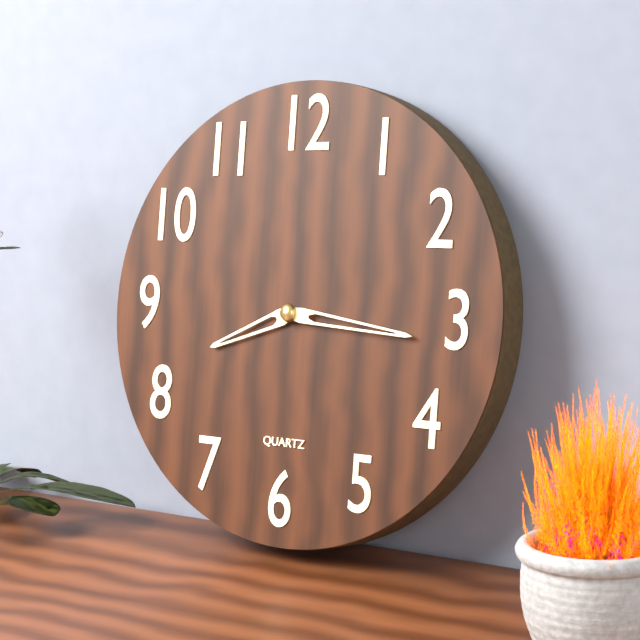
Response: **8:16**
